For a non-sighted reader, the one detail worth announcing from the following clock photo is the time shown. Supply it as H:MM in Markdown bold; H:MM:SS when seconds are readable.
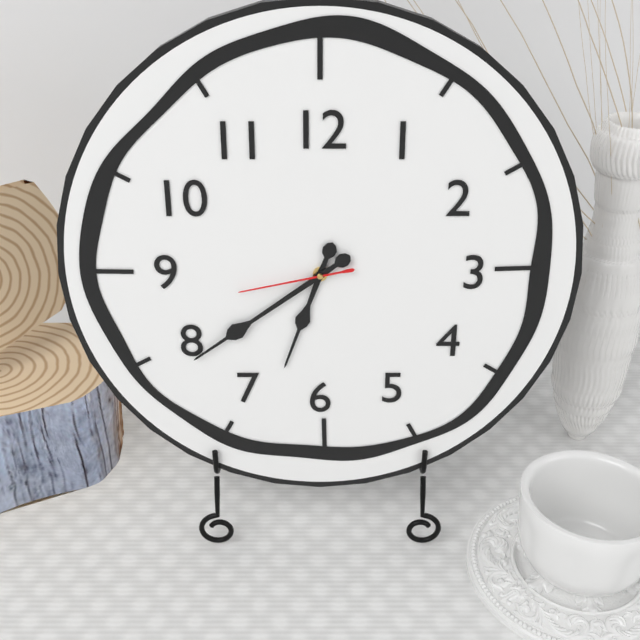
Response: **6:39:43**
